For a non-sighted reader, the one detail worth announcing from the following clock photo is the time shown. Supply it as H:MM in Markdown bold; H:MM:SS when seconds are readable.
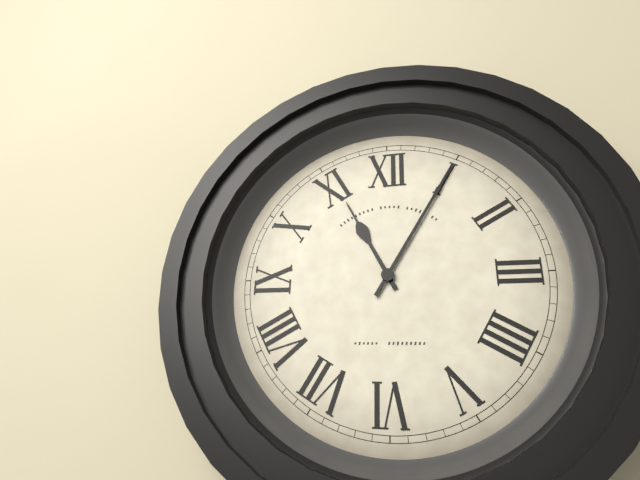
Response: **11:05**
